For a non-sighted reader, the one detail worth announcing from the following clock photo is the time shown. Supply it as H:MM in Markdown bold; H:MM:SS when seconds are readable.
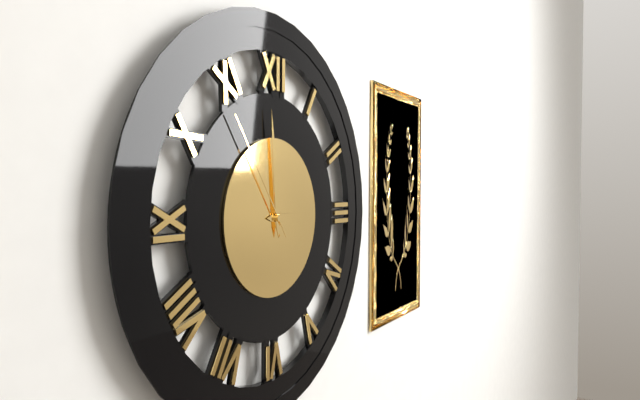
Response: **2:59:54**
